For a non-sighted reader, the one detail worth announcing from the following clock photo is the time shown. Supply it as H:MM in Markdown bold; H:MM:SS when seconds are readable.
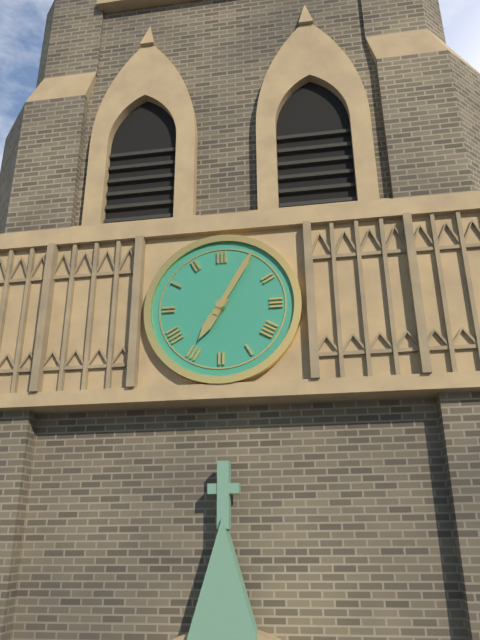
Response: **7:05**
